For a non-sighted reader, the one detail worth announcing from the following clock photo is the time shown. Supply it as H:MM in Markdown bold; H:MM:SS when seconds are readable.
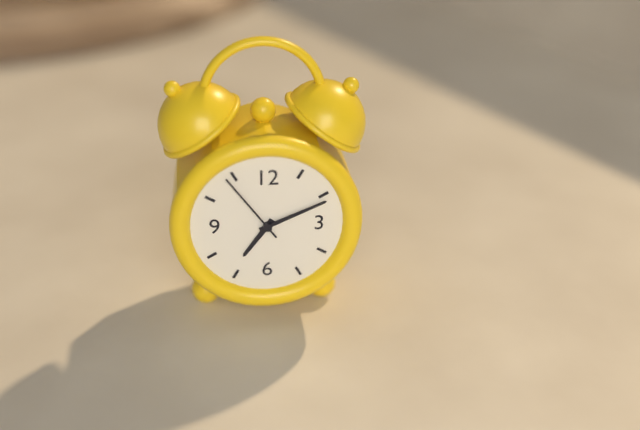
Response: **7:11:54**
